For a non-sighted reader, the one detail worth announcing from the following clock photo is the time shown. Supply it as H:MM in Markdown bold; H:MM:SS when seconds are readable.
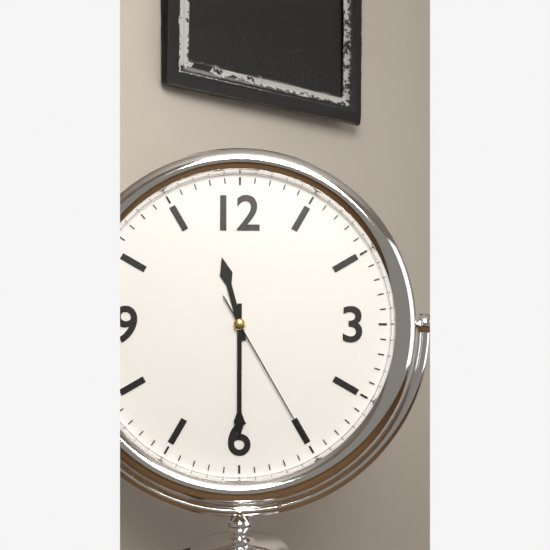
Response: **11:30:25**
